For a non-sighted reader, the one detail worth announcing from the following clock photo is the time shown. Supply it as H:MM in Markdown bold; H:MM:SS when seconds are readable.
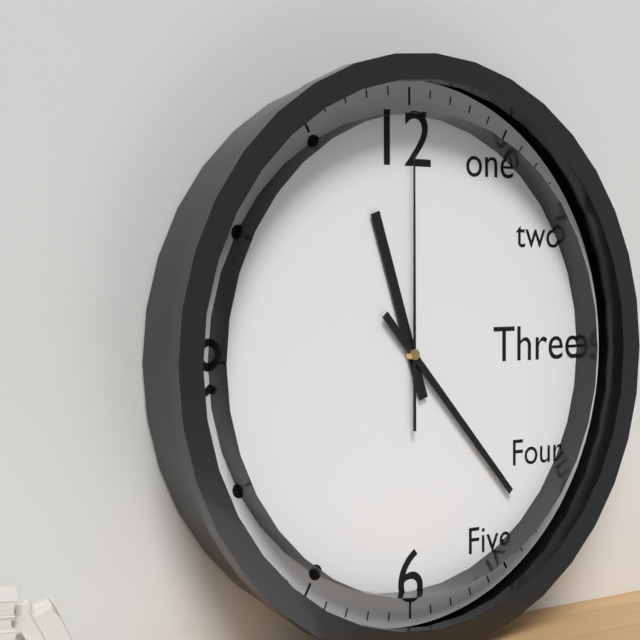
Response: **11:23:00**
